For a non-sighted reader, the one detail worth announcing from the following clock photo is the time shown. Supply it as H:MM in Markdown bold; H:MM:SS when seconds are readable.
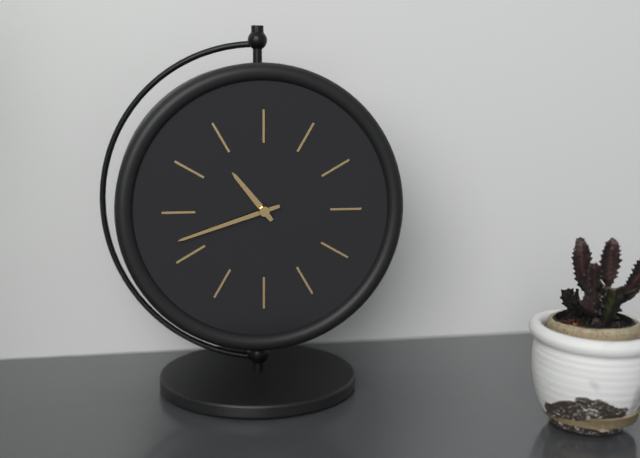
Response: **10:42**
